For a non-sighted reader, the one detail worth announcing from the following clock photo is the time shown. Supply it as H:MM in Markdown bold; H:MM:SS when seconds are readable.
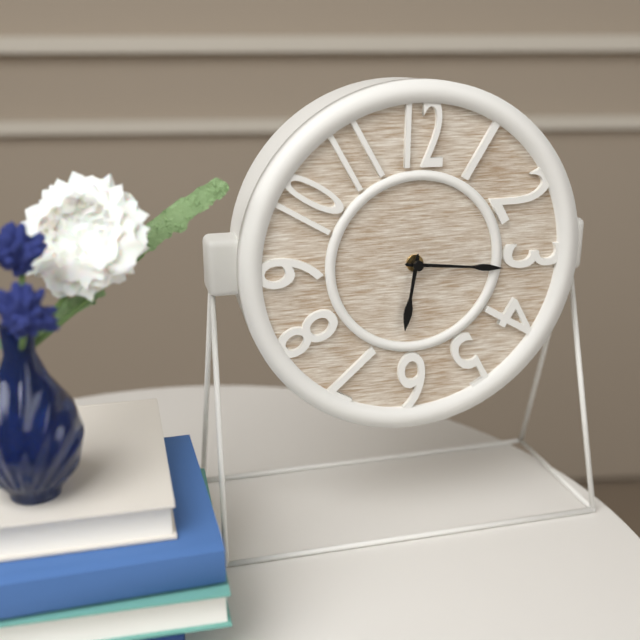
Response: **6:16**
